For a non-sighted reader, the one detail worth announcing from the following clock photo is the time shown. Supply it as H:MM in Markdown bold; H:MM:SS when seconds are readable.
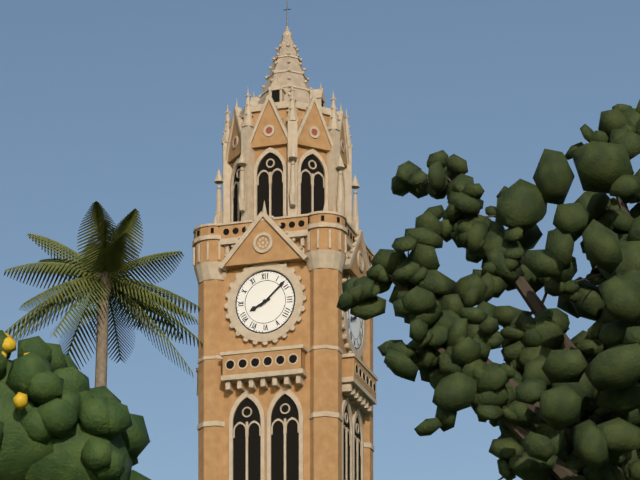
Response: **8:08**
